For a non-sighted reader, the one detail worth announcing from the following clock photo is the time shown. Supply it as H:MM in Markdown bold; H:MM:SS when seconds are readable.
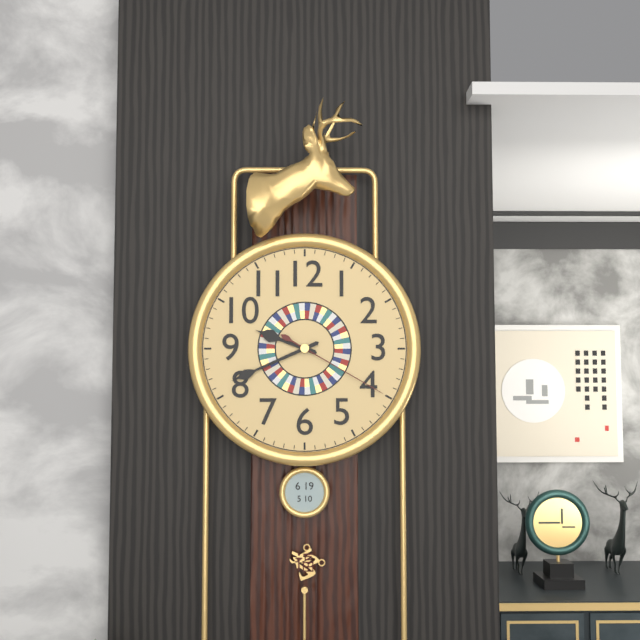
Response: **9:41:20**
